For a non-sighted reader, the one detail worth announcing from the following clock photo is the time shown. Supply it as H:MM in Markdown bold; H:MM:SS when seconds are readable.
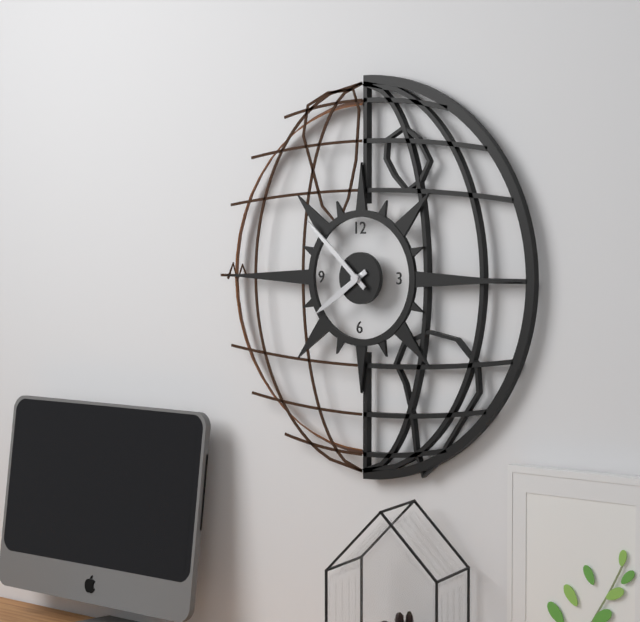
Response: **7:52**
